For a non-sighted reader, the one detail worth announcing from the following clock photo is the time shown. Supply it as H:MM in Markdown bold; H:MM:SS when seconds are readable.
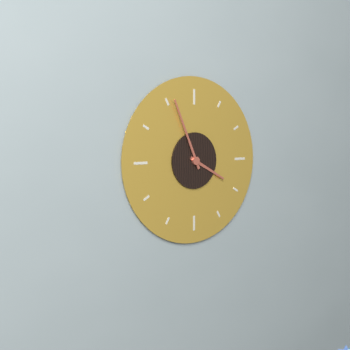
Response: **3:56**
